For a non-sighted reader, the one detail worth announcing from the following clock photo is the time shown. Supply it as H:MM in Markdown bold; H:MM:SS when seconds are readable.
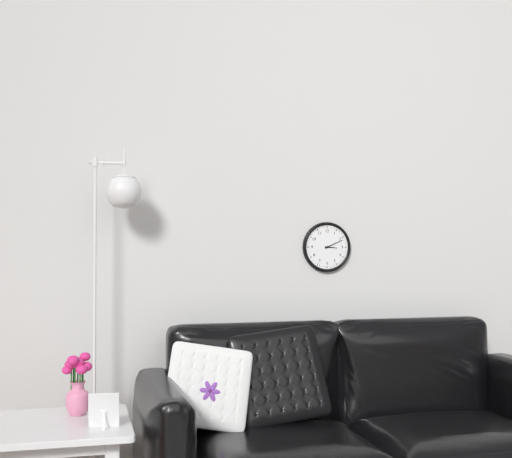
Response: **3:11**
